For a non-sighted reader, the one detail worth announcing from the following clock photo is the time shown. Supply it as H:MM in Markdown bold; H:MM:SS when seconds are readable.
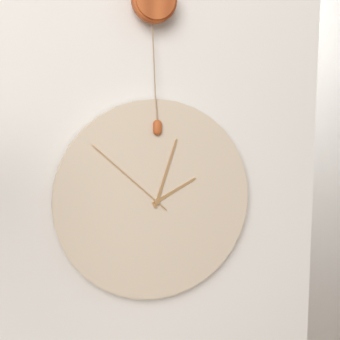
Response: **2:03:52**
